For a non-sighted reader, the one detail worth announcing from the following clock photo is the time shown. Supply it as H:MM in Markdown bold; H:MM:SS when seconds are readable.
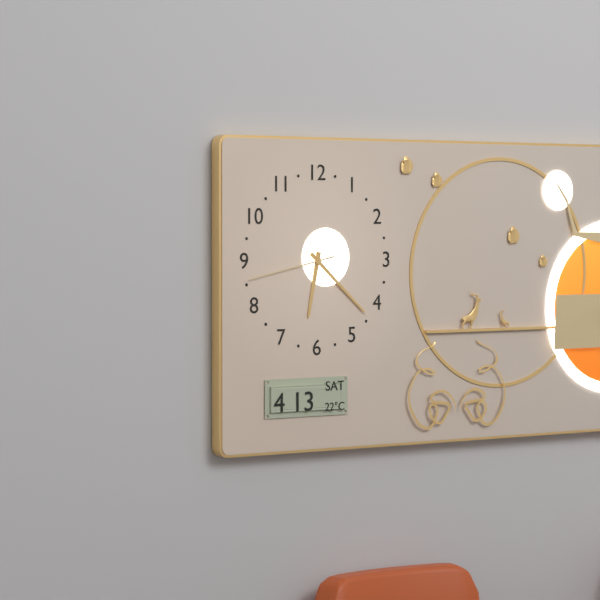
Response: **6:22:43**
